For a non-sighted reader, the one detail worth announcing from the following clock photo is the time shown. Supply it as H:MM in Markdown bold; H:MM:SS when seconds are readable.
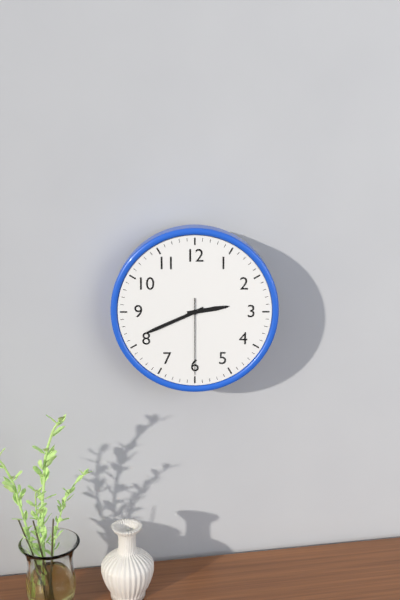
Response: **2:41:30**
